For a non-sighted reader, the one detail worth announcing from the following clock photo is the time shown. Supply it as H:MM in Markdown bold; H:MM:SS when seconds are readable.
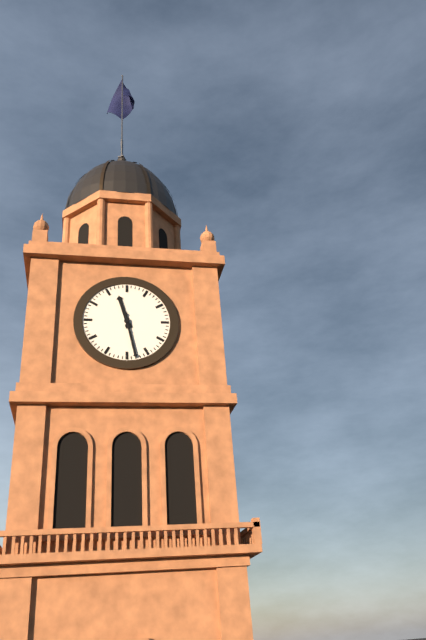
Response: **11:28**
